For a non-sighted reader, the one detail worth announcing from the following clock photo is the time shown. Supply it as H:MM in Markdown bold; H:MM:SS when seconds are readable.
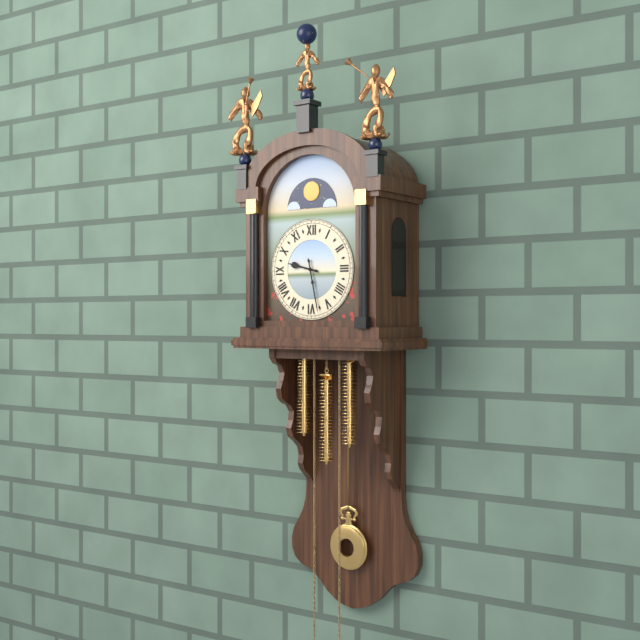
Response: **9:28**
